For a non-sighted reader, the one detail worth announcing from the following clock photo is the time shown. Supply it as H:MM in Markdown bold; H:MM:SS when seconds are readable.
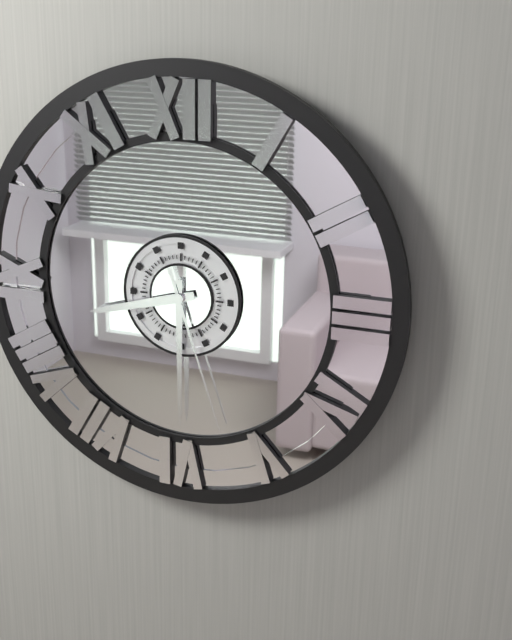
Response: **8:30:27**
